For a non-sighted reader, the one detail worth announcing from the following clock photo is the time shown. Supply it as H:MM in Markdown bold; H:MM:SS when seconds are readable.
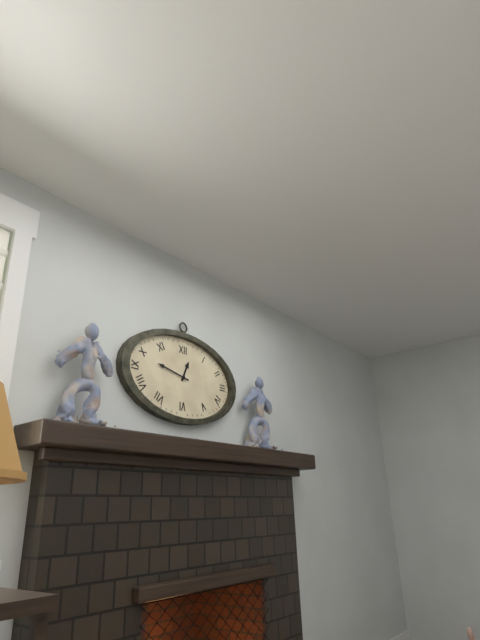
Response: **12:47**
